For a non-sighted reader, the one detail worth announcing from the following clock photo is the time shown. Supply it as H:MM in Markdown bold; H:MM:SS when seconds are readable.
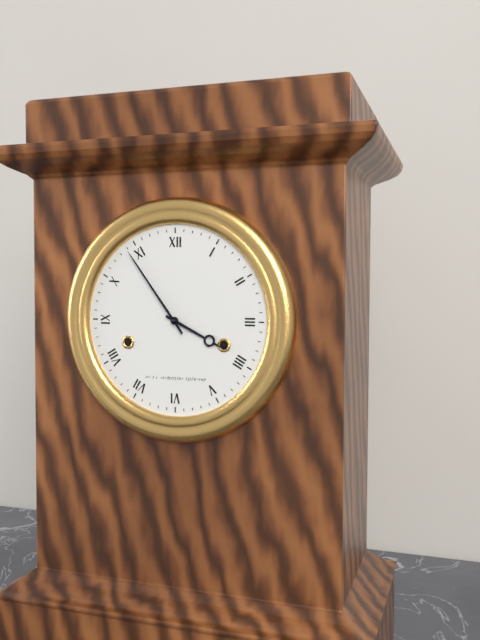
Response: **3:54**
